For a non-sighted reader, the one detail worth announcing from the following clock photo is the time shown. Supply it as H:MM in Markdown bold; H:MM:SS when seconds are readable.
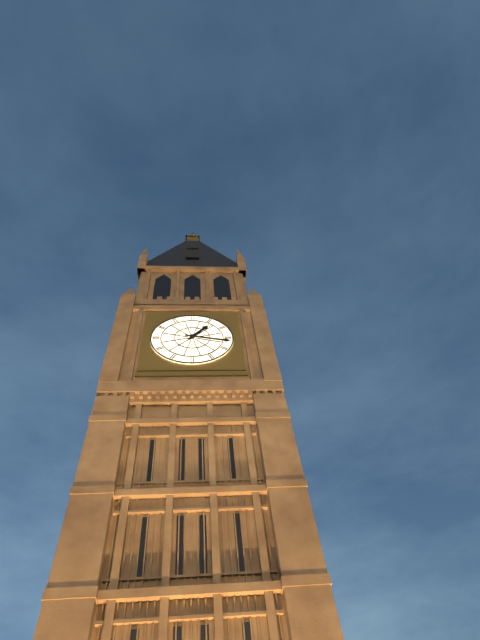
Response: **1:17**
